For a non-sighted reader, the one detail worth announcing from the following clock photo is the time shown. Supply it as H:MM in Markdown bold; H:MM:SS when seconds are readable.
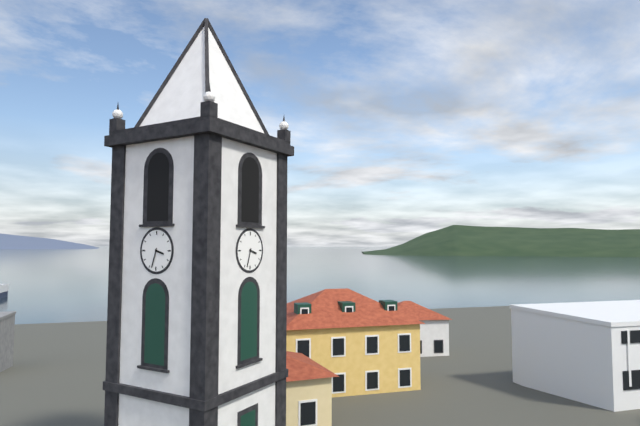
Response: **3:33**
